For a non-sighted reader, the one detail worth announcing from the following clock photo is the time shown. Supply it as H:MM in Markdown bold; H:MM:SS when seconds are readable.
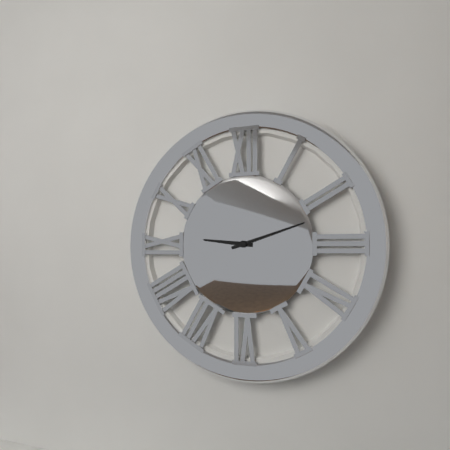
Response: **9:12**
